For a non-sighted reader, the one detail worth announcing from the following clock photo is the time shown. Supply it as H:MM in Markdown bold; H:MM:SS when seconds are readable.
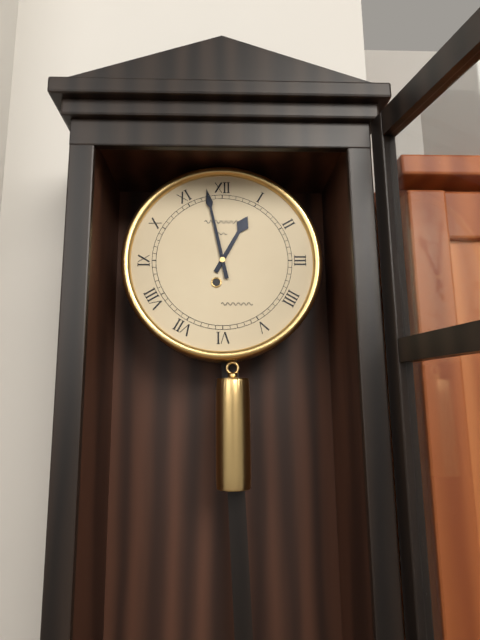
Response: **12:58**
